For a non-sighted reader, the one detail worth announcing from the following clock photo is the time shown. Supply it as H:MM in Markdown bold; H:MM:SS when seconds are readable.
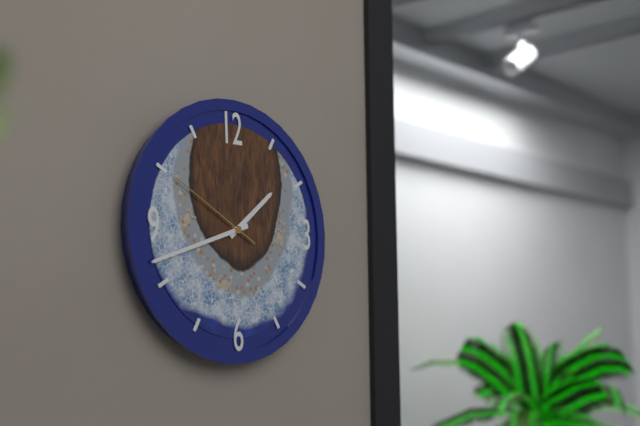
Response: **1:42:50**
